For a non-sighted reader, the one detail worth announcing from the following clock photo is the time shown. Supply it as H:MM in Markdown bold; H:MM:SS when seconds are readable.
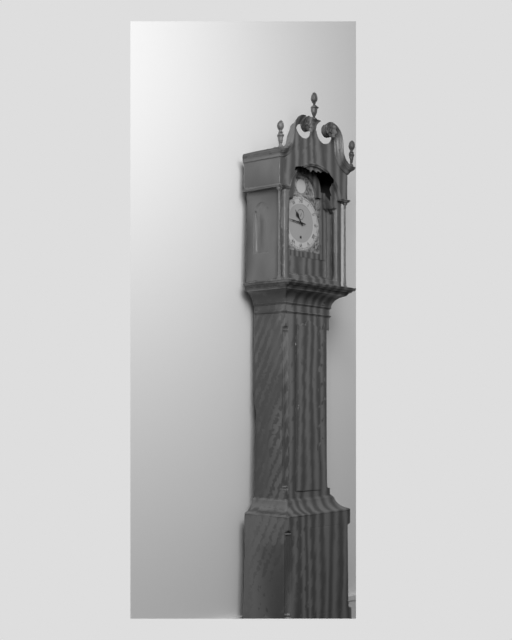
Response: **10:46**
